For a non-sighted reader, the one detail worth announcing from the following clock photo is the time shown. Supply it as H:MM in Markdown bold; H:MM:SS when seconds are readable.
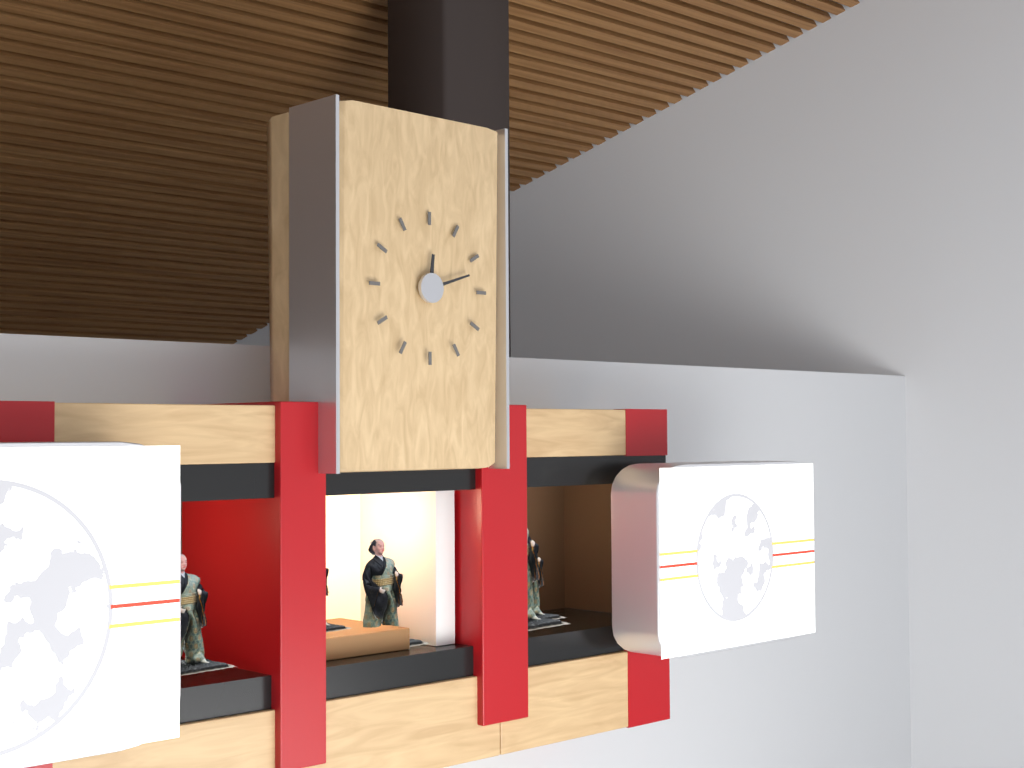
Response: **12:12**
